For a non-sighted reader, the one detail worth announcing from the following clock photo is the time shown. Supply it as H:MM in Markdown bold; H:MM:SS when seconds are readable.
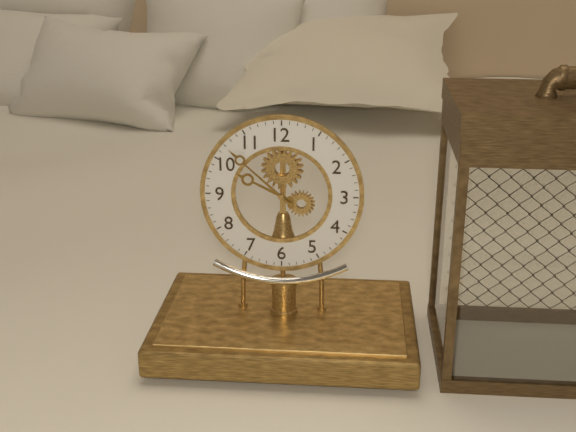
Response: **9:52**
